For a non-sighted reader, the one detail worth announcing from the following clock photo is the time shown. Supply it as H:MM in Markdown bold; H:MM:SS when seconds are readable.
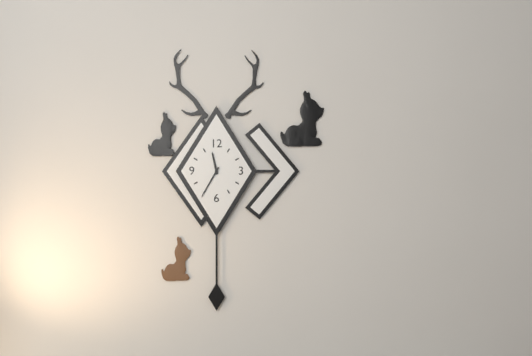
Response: **11:35**
